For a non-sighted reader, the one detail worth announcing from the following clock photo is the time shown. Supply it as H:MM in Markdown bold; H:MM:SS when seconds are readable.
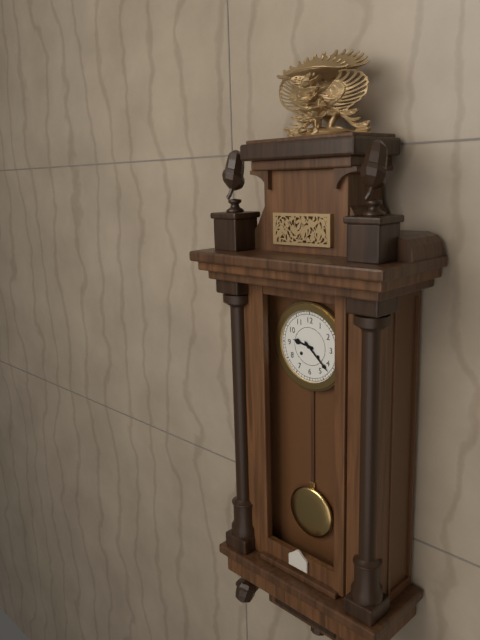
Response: **9:22**
